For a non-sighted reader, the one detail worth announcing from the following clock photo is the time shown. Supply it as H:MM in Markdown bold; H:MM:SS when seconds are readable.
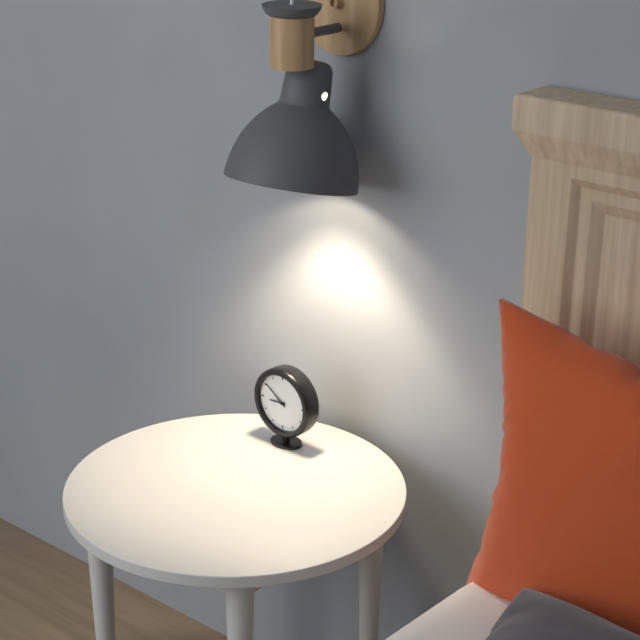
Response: **8:51**
